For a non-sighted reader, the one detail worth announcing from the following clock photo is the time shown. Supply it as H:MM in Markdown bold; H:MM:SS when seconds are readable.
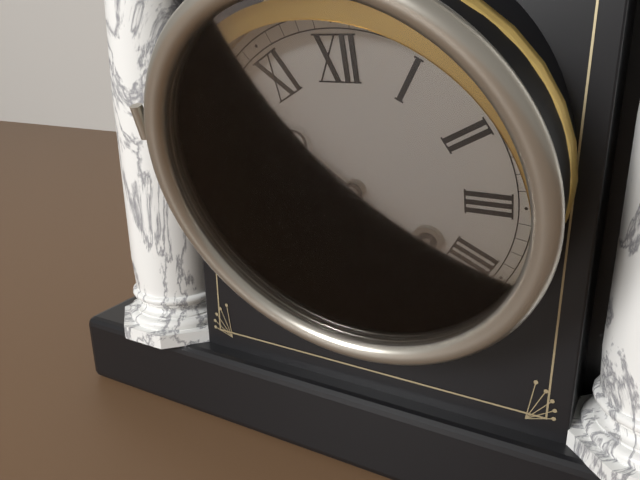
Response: **10:23**
